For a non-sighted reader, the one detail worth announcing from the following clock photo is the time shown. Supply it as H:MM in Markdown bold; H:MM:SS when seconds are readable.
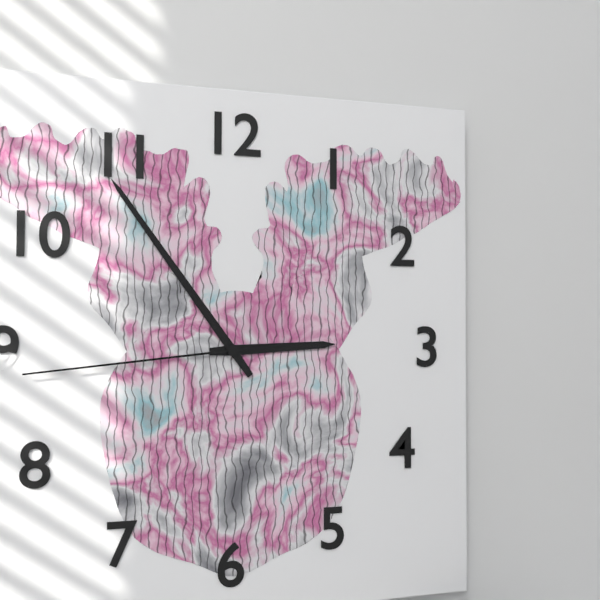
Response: **2:54:44**
